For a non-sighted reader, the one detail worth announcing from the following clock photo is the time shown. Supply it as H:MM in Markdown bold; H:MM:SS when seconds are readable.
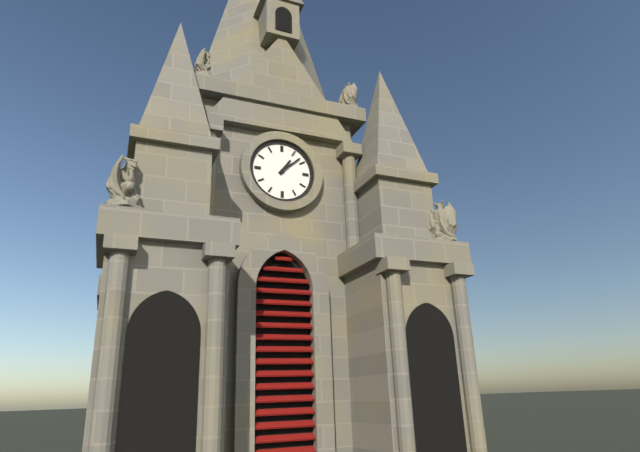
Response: **1:08**
